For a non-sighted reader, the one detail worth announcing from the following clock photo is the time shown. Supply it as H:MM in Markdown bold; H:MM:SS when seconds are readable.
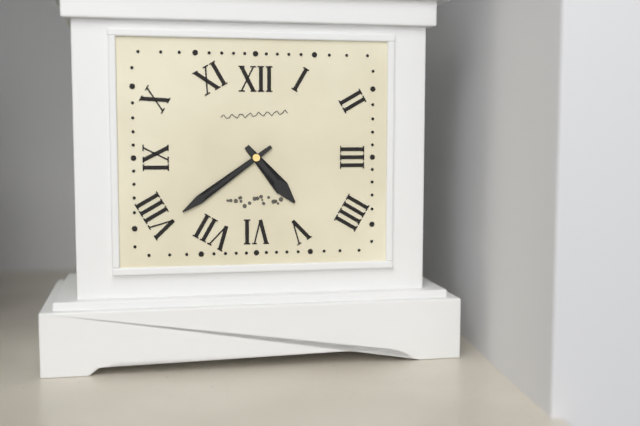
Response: **4:39**
